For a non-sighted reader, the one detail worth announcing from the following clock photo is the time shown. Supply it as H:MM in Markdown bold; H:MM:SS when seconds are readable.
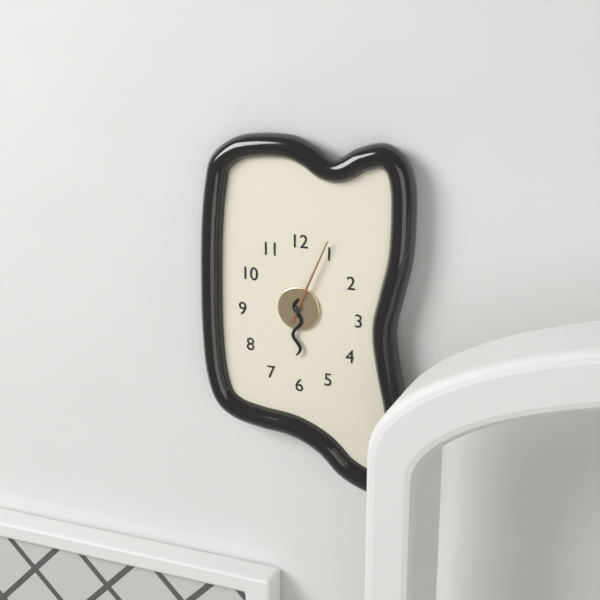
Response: **6:04**
